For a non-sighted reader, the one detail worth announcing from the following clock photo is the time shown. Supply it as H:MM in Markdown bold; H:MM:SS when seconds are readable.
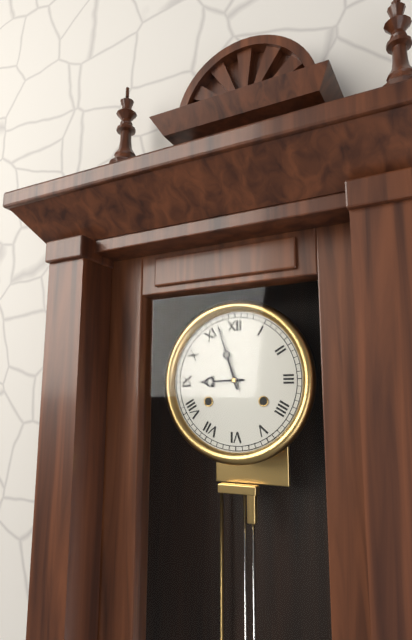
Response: **8:57**
